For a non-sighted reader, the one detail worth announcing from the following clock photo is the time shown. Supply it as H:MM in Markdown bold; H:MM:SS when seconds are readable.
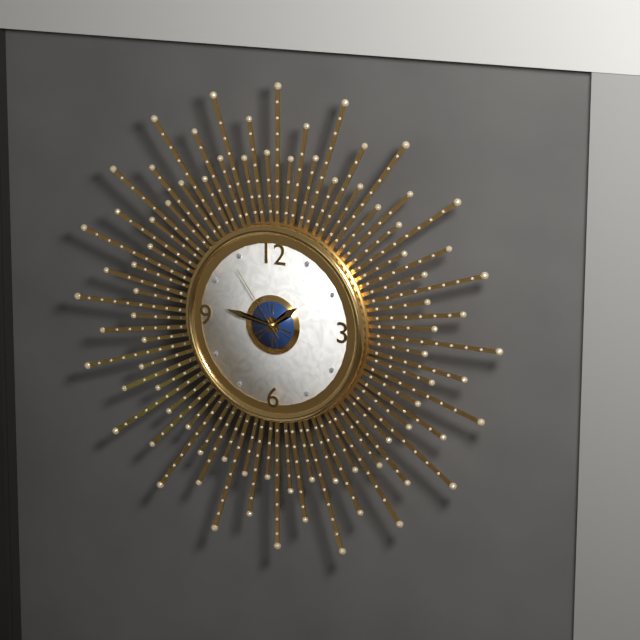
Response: **1:47:54**
